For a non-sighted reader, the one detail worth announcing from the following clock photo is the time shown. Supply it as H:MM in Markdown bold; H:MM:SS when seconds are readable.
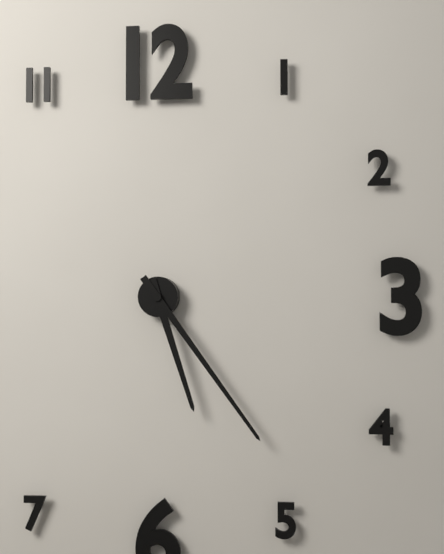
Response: **5:24**
